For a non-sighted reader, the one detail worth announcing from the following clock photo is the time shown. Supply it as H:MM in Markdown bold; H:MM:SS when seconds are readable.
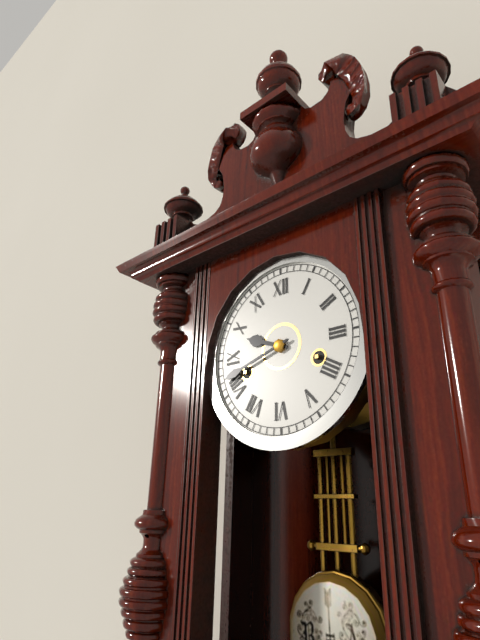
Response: **9:42**
